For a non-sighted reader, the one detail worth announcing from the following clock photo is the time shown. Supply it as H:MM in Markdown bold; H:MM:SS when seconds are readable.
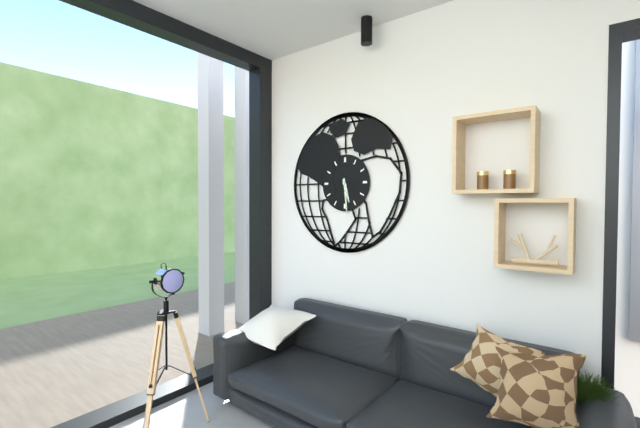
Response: **5:29**
